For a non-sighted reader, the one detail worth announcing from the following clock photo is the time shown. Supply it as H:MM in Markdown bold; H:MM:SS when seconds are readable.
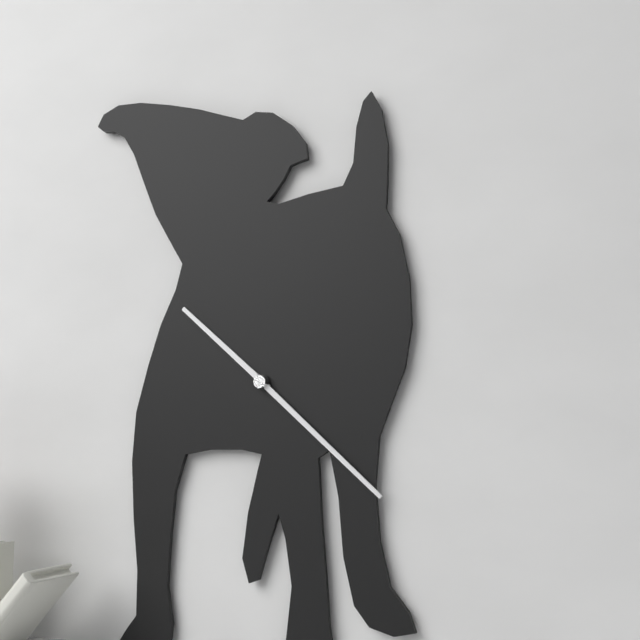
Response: **10:22**
